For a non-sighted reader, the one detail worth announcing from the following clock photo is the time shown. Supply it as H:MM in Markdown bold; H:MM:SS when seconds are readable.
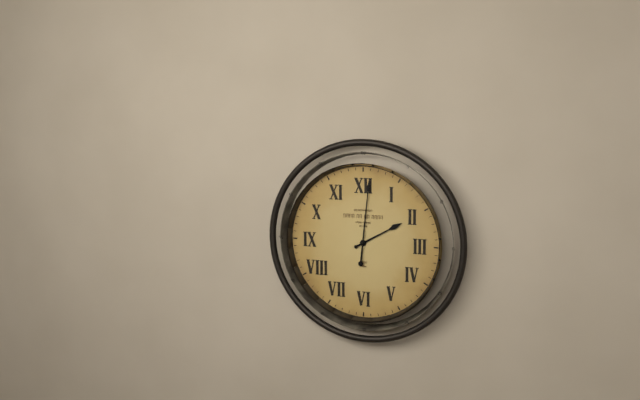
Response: **2:01**
